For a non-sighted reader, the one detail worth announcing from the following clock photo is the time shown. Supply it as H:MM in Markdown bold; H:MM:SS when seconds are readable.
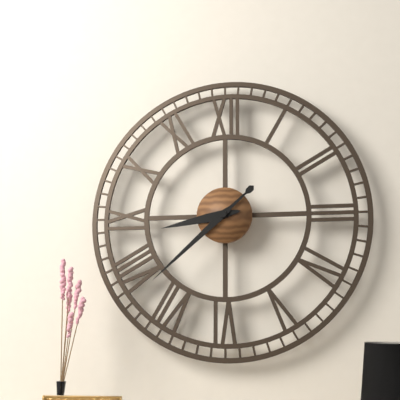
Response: **8:38**
